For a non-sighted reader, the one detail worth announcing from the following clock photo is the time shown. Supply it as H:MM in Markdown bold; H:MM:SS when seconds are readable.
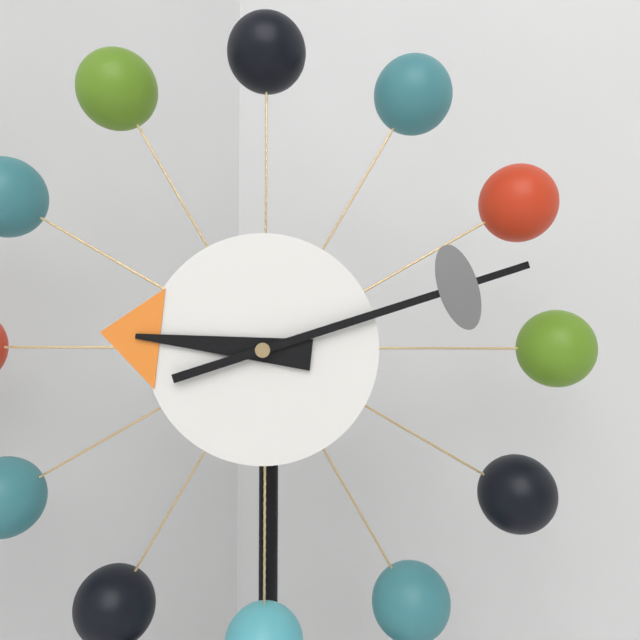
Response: **9:12**
